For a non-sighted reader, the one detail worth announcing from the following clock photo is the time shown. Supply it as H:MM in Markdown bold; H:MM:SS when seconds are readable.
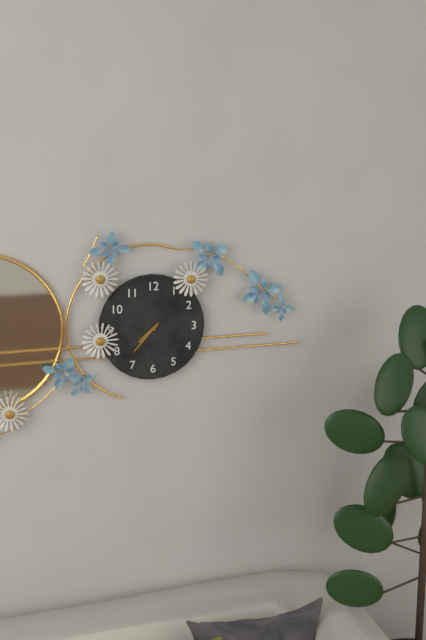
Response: **7:37**
